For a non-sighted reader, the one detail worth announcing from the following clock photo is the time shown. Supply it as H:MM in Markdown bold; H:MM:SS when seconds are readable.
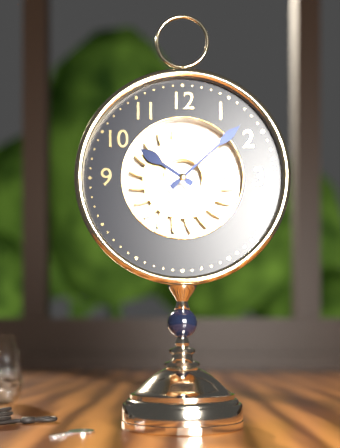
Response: **10:08**
